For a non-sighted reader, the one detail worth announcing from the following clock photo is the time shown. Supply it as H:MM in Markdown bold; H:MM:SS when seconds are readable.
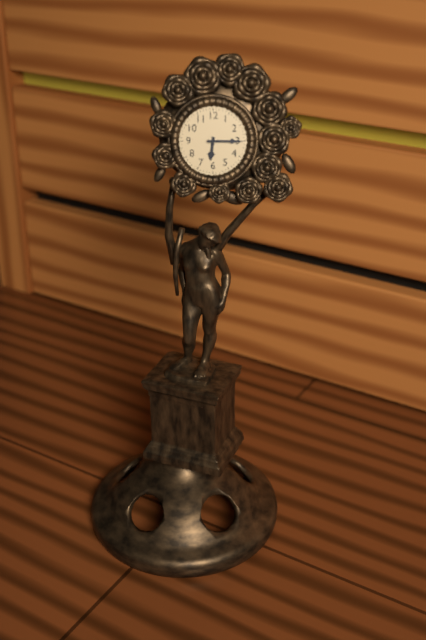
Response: **6:15**
